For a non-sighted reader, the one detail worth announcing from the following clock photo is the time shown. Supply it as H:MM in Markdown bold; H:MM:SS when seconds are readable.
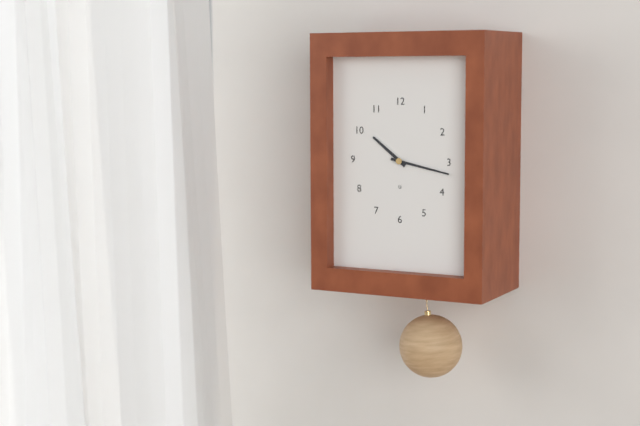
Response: **10:17**
